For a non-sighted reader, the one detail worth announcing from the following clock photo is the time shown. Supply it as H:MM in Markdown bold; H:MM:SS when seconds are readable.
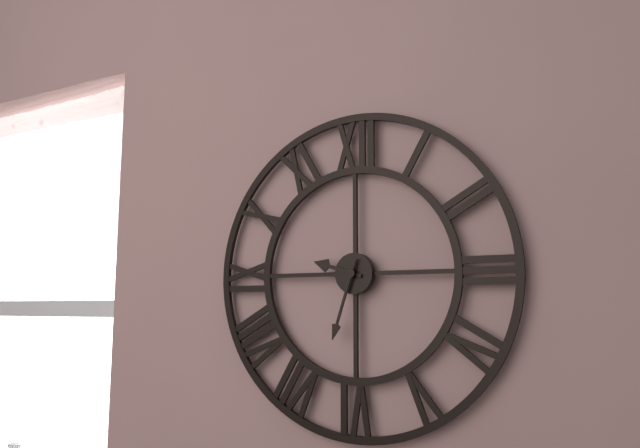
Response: **9:33**
